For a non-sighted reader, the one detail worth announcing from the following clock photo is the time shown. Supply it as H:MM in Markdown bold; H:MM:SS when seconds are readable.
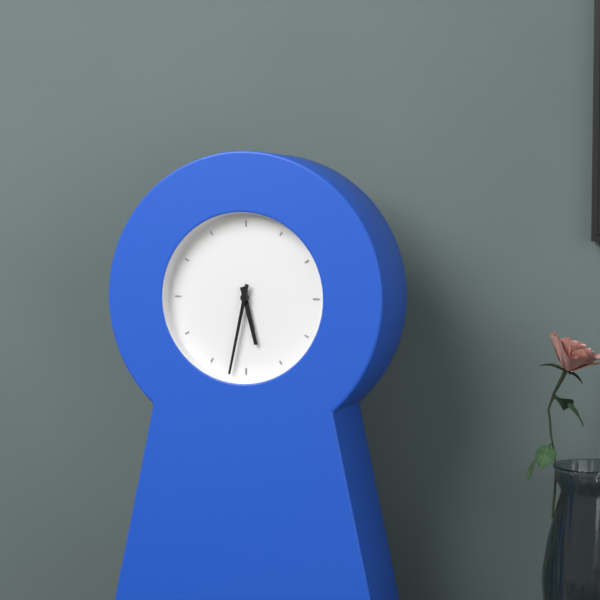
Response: **5:32**
